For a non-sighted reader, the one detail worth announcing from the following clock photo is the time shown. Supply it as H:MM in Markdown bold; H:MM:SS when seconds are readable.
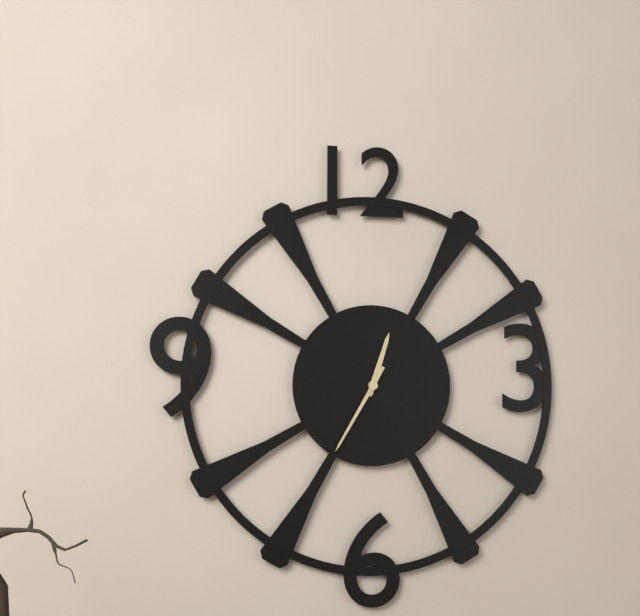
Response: **12:35**
